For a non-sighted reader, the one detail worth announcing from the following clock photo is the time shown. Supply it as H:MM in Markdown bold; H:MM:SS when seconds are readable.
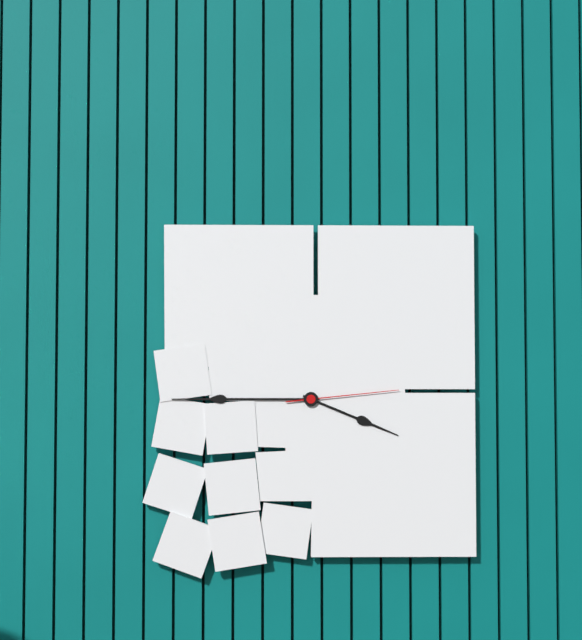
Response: **3:45:14**
